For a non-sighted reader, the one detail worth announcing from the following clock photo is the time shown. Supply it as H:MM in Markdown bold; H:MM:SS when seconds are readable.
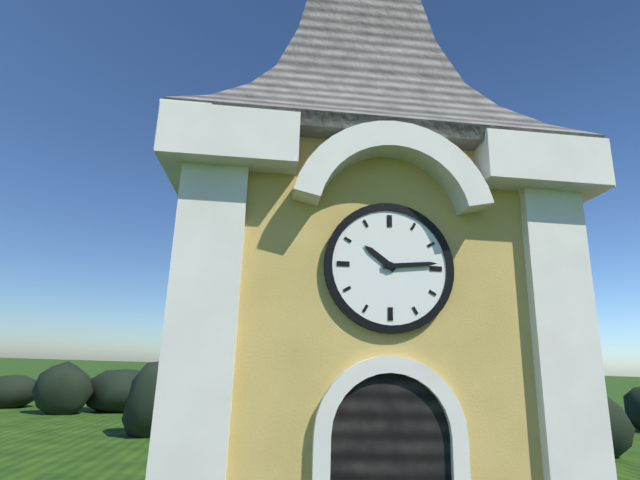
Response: **10:14**
